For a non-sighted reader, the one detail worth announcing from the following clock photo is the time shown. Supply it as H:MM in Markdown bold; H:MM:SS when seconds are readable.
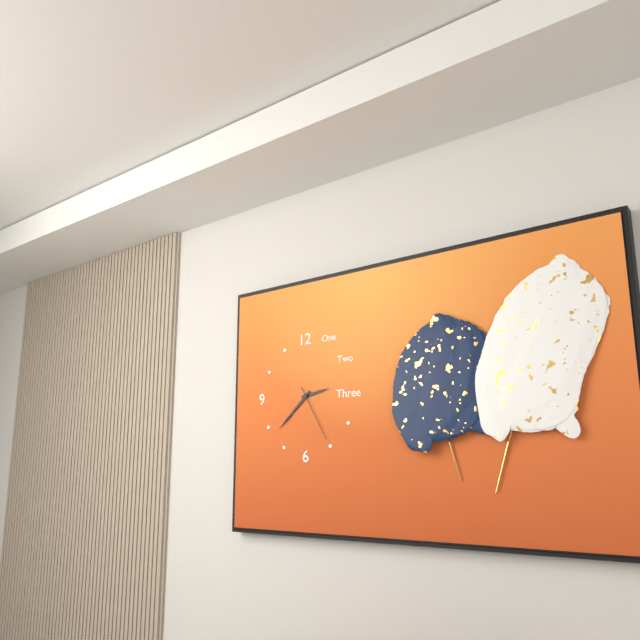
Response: **2:38:25**
